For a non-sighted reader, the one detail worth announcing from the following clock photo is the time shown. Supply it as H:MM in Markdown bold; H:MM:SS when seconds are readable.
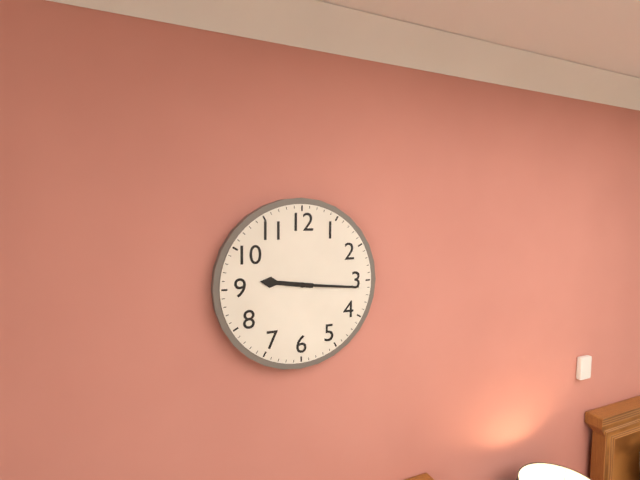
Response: **9:16**
